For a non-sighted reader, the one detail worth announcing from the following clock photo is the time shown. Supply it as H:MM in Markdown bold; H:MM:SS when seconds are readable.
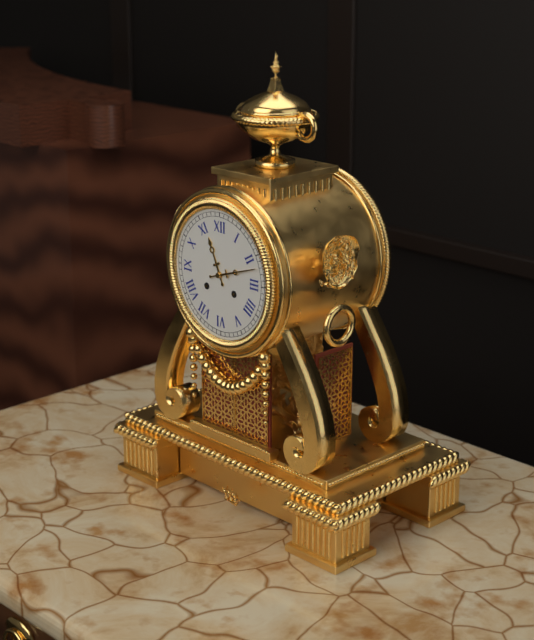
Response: **11:12**
